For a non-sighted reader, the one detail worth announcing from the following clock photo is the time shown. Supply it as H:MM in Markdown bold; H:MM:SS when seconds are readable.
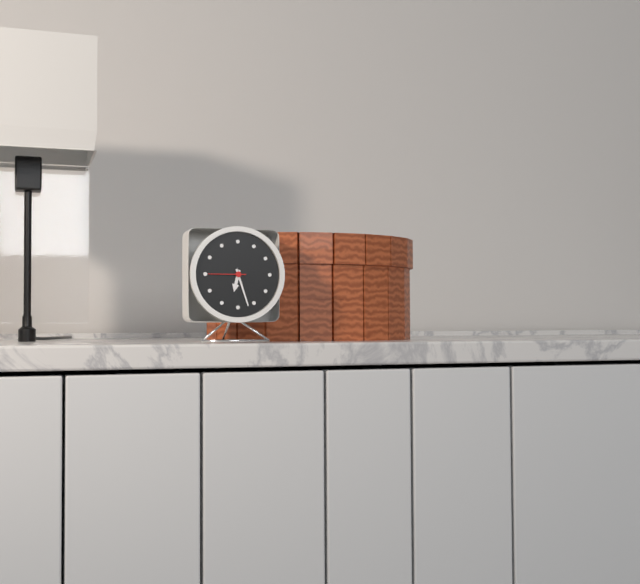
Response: **6:27**
